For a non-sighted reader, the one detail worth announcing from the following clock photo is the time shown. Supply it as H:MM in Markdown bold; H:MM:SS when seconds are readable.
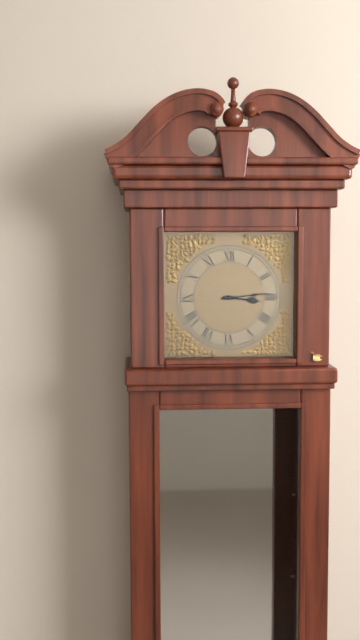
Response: **3:14**
